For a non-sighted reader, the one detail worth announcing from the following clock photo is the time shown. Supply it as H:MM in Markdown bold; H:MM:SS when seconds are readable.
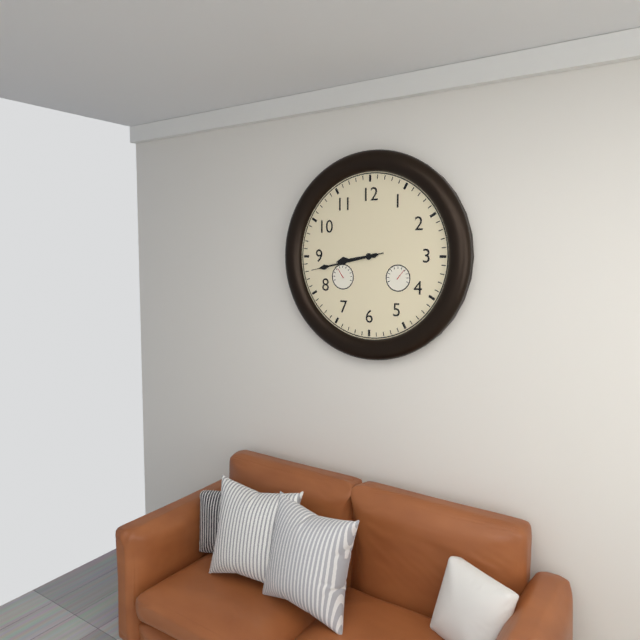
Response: **8:43:43**
